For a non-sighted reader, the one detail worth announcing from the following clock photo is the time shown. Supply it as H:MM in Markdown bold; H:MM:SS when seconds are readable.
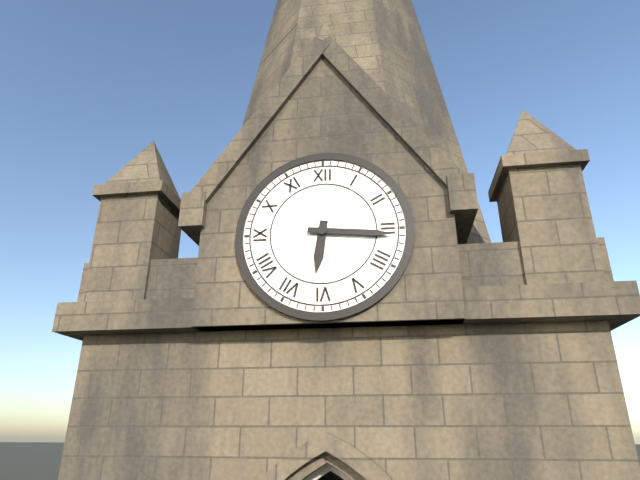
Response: **6:16**
